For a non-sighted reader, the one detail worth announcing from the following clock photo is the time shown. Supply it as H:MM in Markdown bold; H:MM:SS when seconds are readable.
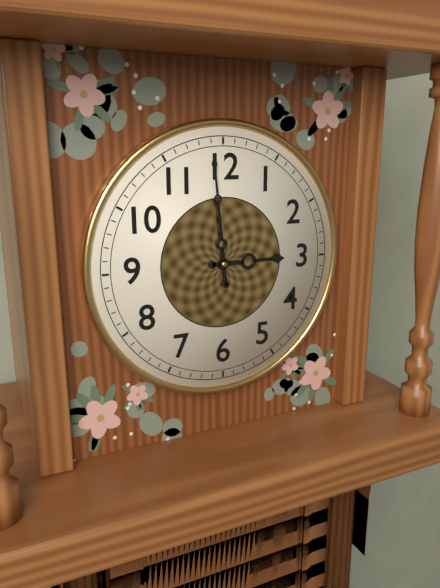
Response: **2:59**
